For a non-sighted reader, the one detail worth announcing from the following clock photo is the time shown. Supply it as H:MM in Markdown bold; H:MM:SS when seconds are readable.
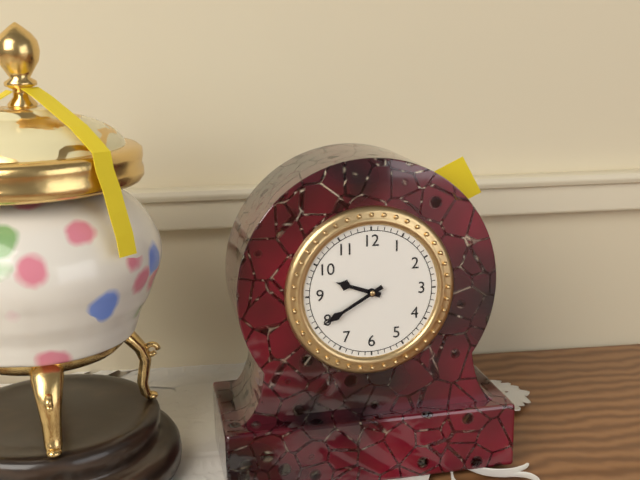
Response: **9:40**
